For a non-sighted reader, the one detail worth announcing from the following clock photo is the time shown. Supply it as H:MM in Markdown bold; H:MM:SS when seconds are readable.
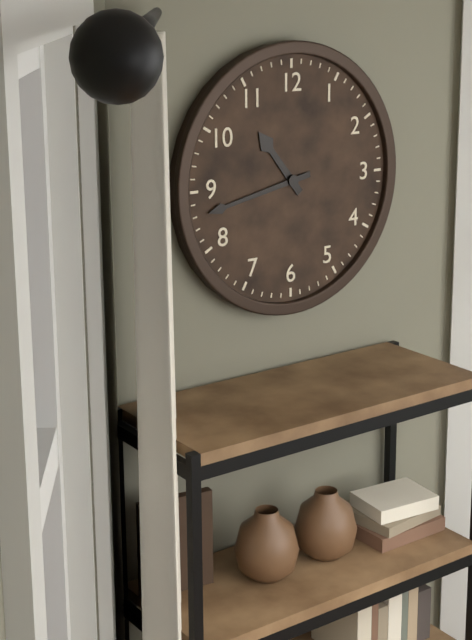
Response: **10:43**
